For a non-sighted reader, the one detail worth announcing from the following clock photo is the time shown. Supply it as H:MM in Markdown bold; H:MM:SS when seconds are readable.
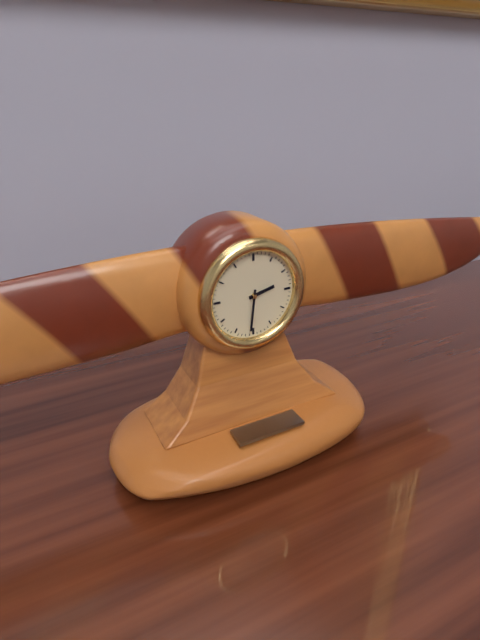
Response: **2:31**
